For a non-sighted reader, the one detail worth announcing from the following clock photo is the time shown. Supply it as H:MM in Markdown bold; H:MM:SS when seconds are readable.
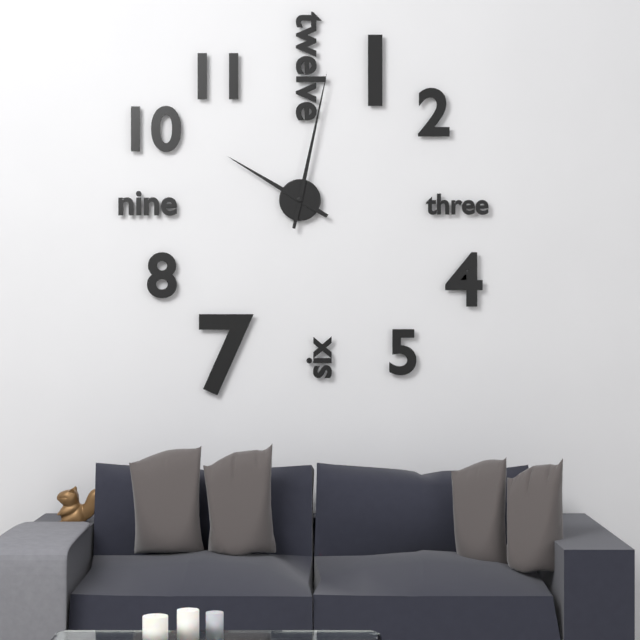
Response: **10:02**
